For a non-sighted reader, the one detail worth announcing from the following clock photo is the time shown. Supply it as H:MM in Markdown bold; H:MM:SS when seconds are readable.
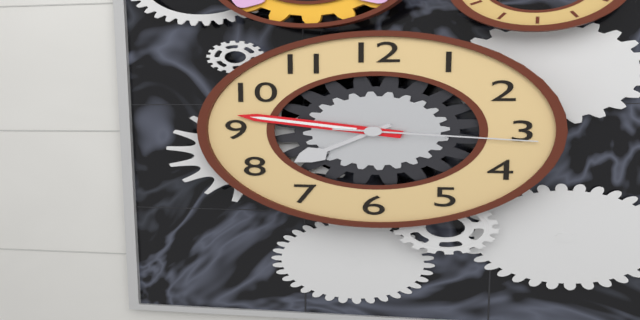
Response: **7:47:16**
